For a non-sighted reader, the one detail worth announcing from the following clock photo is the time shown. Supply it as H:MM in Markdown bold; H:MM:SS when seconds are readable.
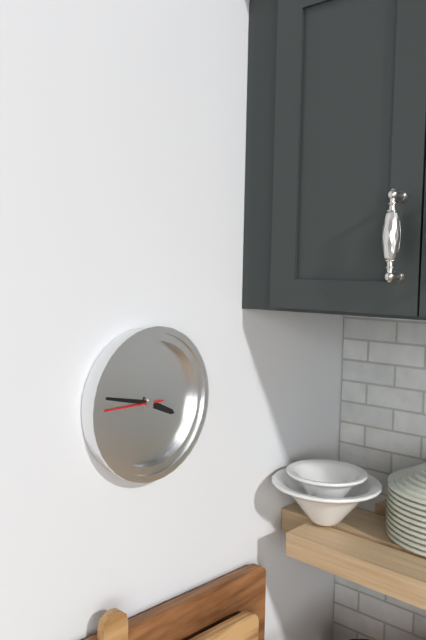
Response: **3:47:45**
